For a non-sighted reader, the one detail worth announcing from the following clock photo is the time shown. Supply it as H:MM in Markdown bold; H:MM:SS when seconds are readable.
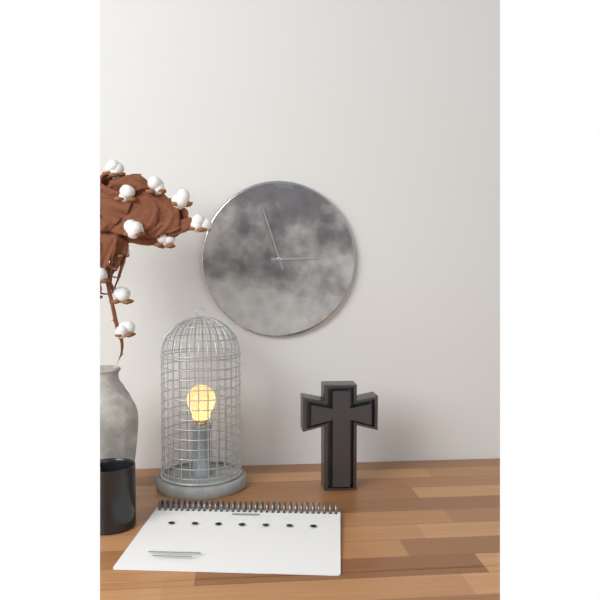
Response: **2:57**
